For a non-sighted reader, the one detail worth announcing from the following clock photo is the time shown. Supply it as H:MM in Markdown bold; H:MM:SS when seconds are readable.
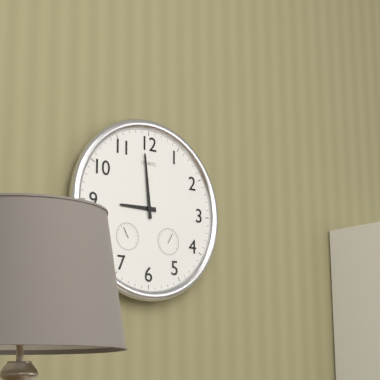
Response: **8:59**
